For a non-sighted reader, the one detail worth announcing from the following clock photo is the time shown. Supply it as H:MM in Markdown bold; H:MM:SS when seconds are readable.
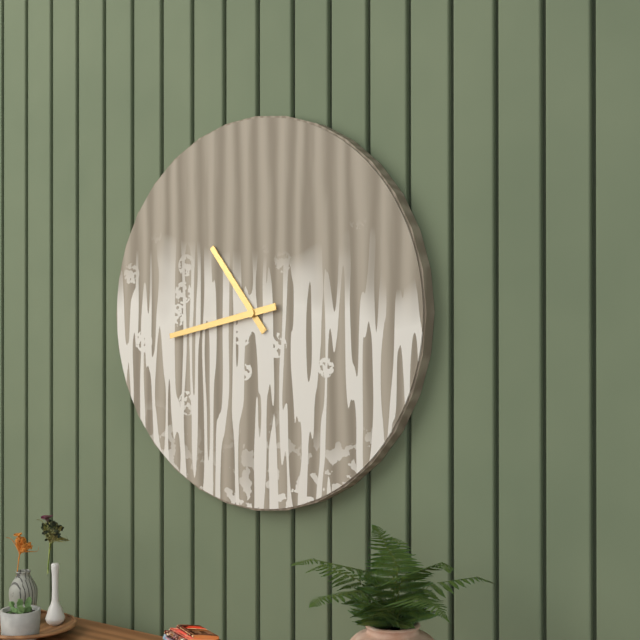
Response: **10:43**
